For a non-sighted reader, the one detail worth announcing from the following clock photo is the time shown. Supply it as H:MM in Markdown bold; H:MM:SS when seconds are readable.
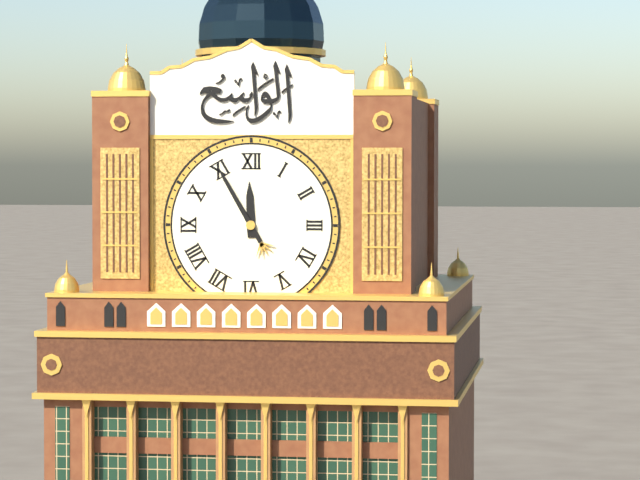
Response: **11:55**
